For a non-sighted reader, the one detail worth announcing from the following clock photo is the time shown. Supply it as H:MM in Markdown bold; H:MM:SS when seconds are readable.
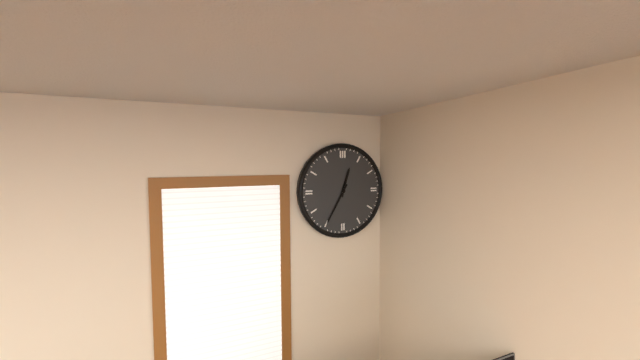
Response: **12:35**
